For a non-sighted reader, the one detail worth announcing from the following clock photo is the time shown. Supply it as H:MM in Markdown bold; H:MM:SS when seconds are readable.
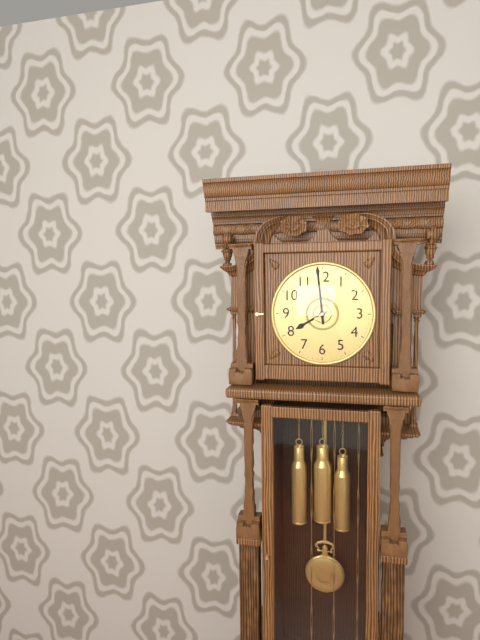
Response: **7:59:09**
